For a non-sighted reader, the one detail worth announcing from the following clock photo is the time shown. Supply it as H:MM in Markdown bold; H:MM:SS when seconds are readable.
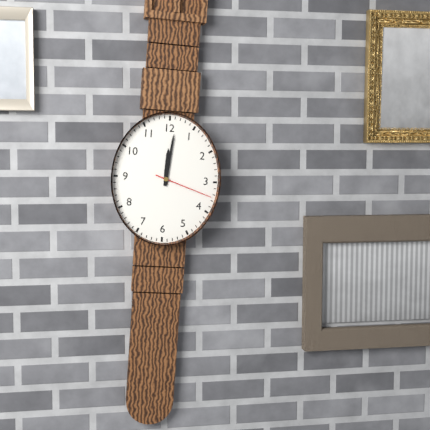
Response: **12:01:18**
